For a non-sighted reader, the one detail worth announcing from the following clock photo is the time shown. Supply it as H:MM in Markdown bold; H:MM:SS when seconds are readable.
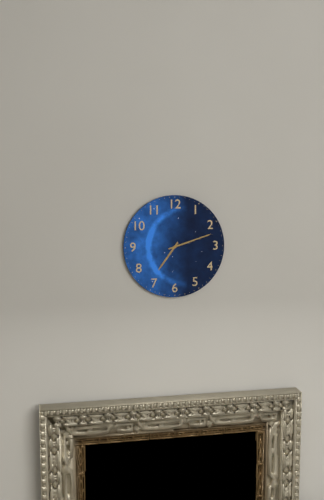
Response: **7:12**
